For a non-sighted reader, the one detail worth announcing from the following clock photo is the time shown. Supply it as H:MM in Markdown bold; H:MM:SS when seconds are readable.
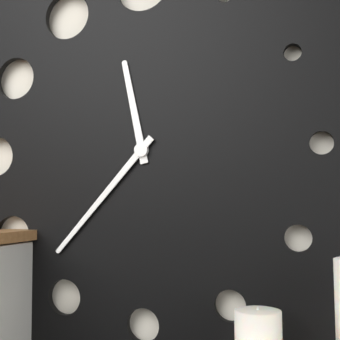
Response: **11:37**
